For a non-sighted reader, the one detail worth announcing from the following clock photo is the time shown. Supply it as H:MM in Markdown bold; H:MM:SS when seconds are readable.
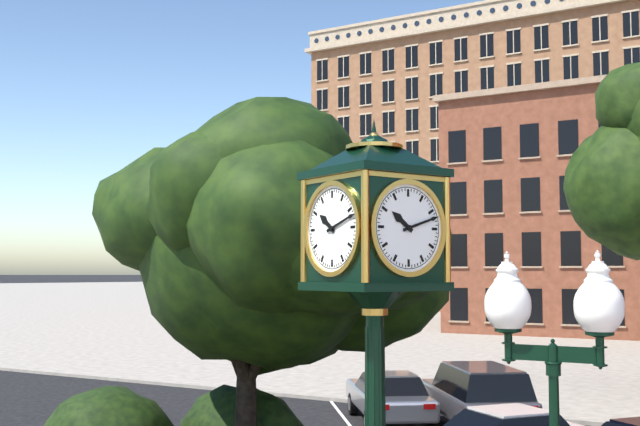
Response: **10:12**
